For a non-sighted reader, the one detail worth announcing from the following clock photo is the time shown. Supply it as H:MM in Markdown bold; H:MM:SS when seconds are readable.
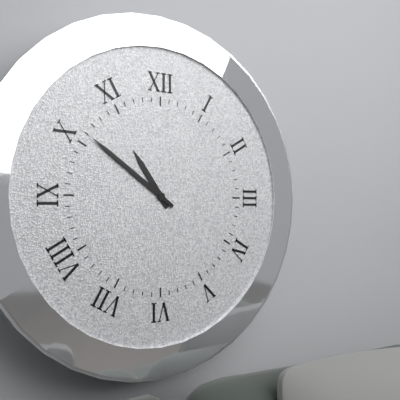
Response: **10:51**
